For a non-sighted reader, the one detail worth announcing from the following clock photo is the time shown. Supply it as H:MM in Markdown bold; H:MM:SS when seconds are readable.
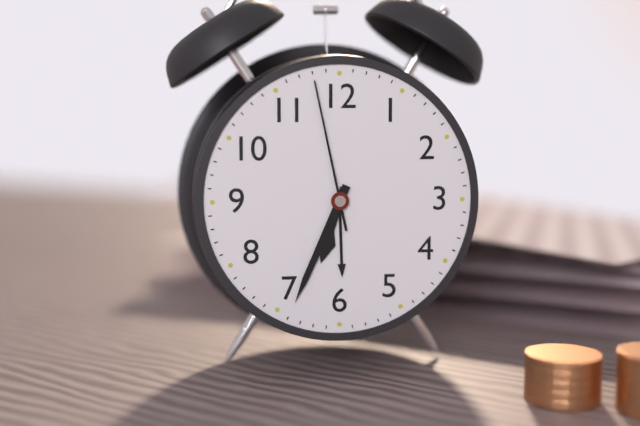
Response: **6:34:58**
